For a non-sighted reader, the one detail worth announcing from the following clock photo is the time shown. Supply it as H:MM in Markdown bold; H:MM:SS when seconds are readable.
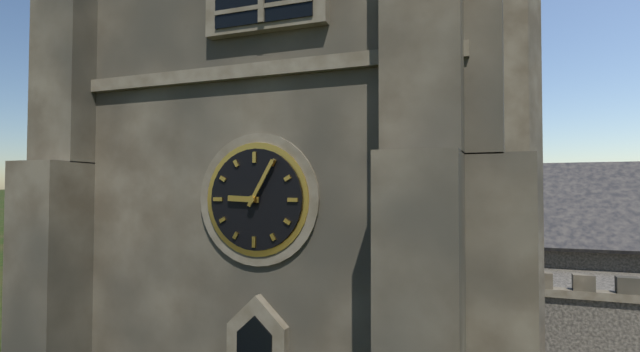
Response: **9:05**
